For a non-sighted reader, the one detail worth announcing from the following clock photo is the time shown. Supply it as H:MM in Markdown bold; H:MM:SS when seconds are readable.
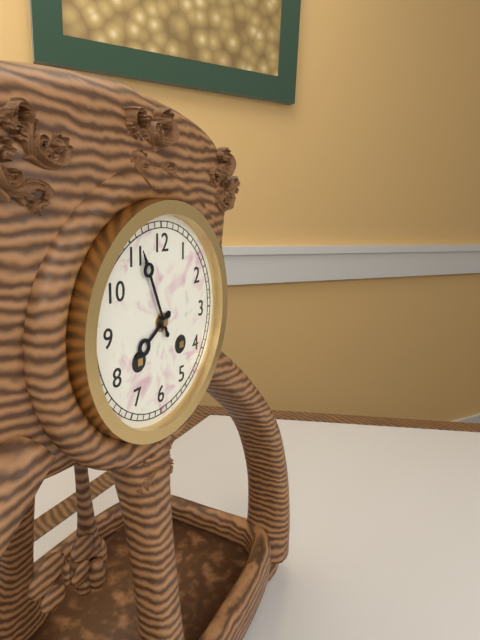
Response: **7:56**
